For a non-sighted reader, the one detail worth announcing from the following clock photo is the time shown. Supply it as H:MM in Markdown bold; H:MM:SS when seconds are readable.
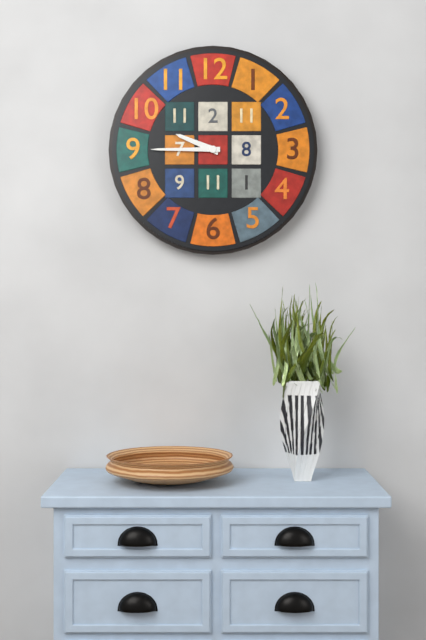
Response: **9:45**
